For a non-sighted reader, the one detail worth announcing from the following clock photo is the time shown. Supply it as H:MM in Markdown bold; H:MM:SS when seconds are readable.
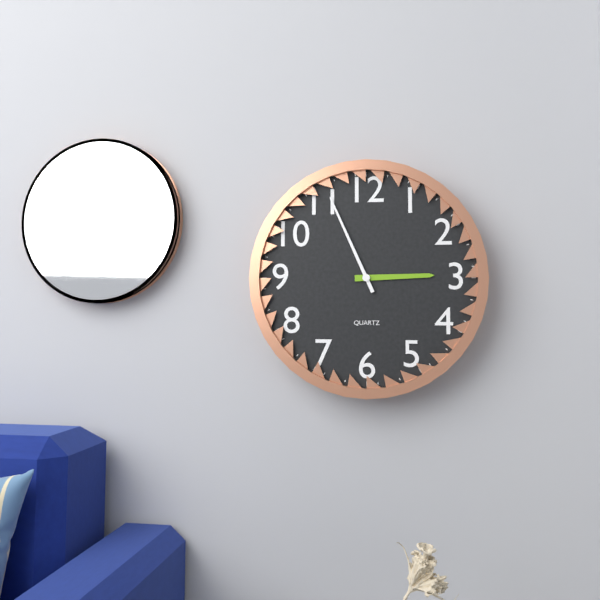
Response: **2:56**
